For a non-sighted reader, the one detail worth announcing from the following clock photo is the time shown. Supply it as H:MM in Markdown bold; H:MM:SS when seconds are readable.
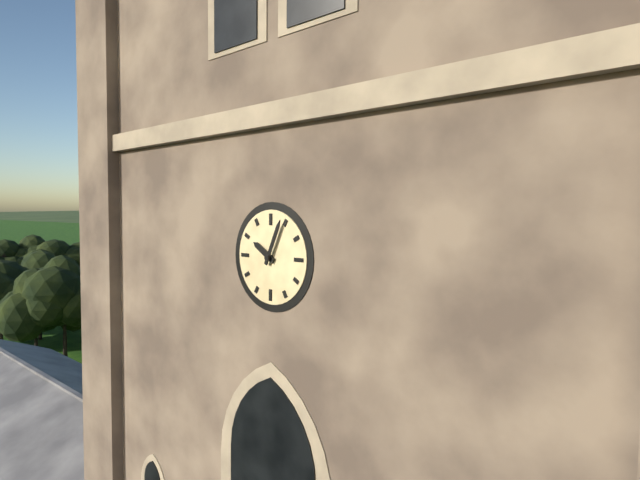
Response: **10:04**
